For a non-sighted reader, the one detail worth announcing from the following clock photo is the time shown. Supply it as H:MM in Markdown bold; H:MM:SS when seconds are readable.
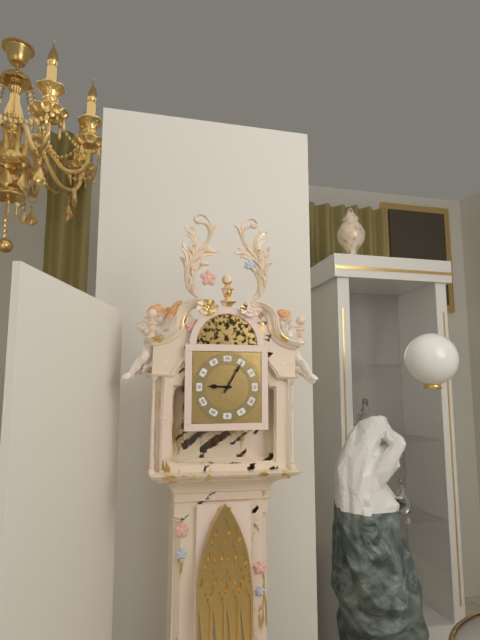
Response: **9:05**
